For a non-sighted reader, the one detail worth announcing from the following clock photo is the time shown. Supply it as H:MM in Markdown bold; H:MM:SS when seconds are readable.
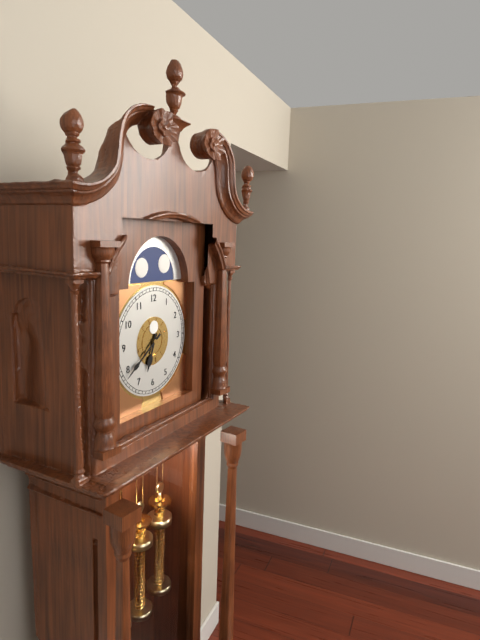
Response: **6:39**
